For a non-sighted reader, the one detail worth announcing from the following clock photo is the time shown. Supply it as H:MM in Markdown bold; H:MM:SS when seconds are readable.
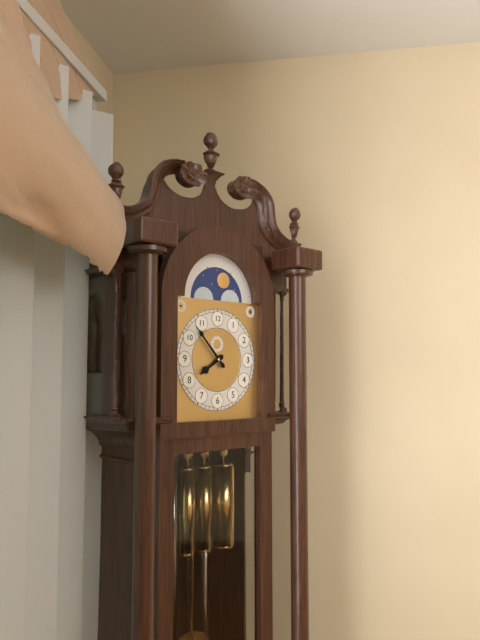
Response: **7:53**
